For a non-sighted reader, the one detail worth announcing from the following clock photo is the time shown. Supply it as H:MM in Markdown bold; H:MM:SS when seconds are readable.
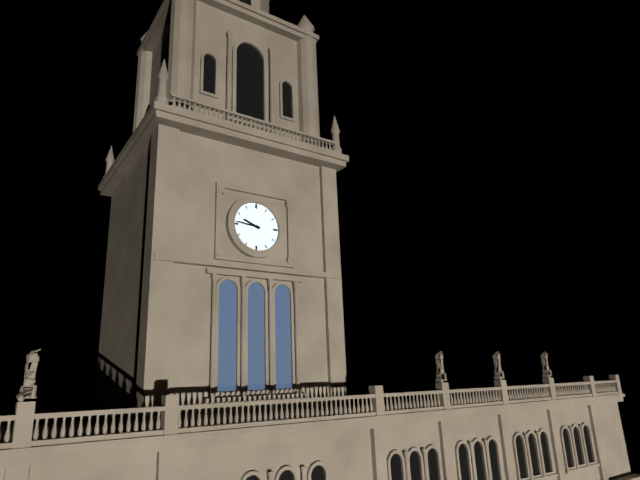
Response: **9:46**
